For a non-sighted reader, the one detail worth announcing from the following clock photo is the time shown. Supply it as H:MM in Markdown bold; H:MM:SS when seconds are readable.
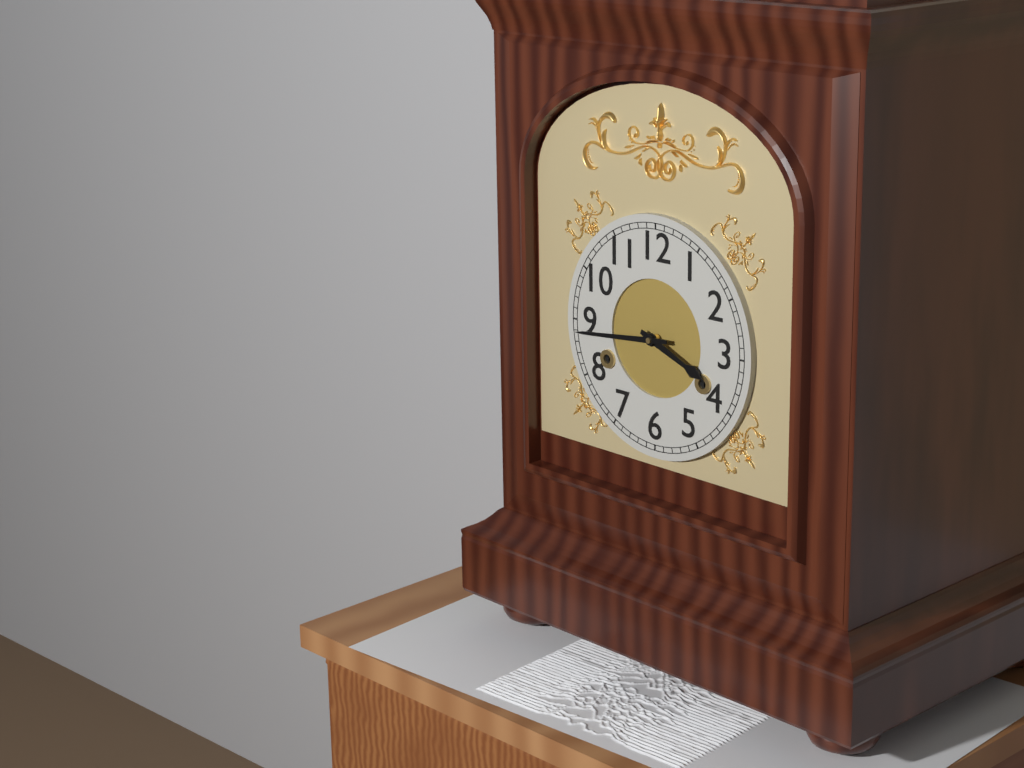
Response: **3:44**
